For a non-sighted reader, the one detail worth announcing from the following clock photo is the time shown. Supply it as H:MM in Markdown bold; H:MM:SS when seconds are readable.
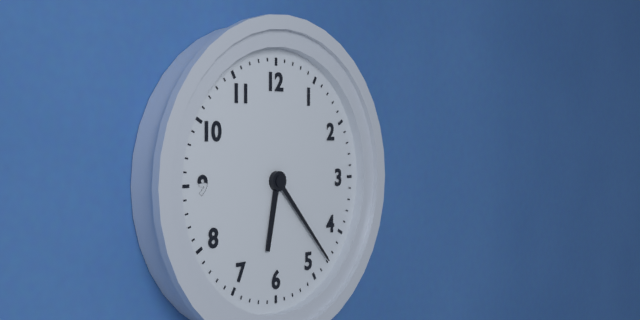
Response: **6:23**
